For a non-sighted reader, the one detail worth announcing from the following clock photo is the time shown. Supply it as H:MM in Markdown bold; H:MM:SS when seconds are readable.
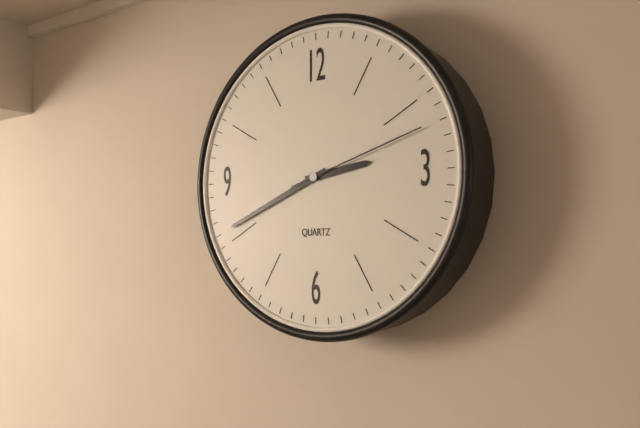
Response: **2:41:12**
